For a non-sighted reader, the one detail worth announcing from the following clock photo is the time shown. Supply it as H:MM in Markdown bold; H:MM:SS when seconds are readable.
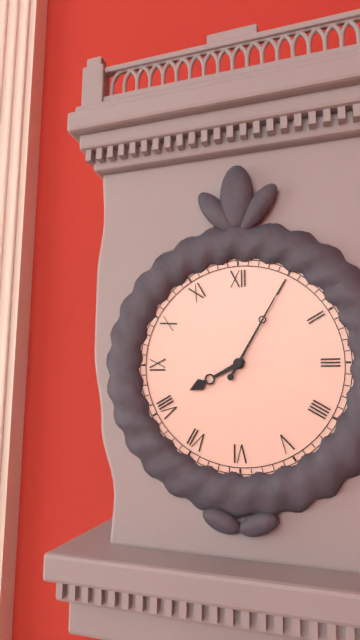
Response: **8:05**
